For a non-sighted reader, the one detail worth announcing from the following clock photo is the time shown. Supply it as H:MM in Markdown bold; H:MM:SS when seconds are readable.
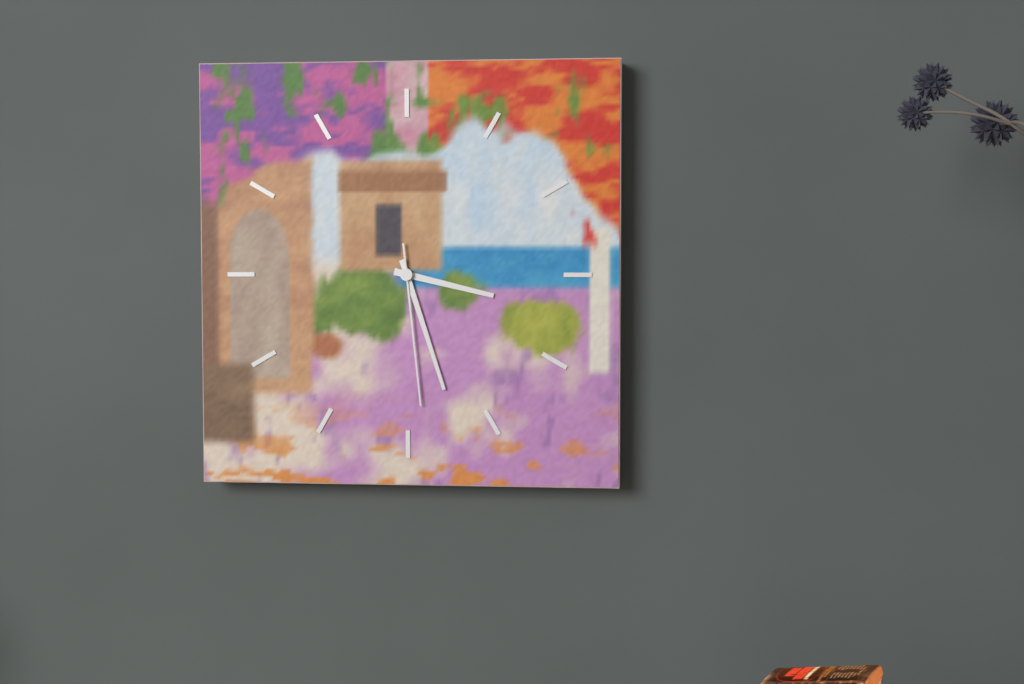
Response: **3:27:29**
